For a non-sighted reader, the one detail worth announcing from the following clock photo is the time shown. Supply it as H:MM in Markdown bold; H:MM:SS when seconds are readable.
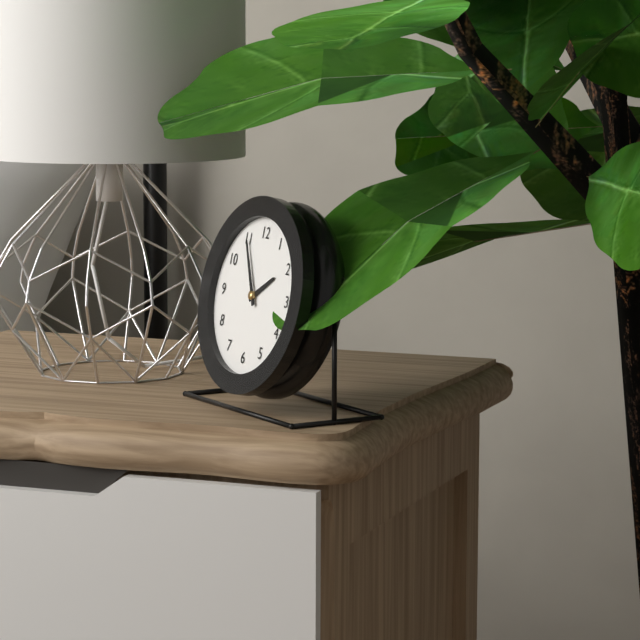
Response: **1:55**
